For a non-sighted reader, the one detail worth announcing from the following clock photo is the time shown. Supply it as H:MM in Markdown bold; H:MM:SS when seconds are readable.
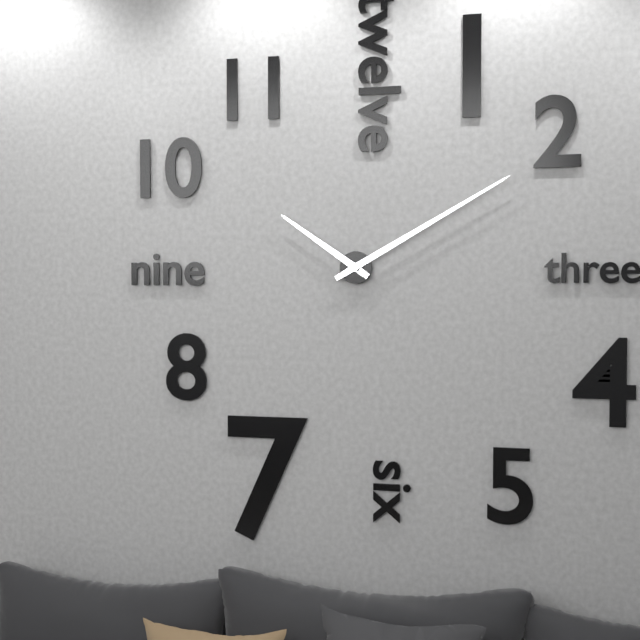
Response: **10:10**
